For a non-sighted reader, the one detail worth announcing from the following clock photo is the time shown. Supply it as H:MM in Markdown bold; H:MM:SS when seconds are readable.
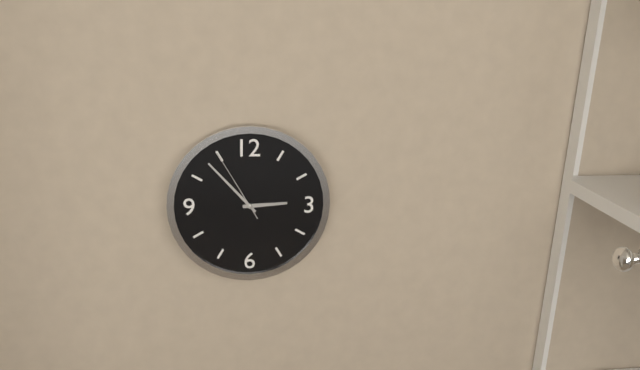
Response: **2:53:55**
